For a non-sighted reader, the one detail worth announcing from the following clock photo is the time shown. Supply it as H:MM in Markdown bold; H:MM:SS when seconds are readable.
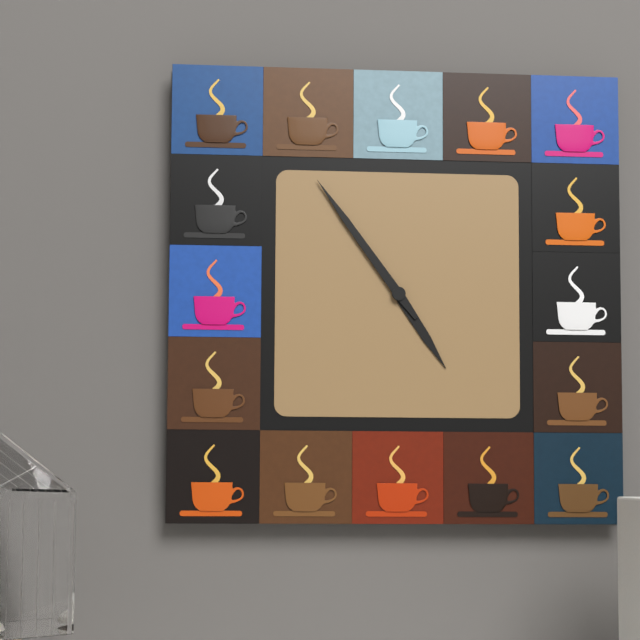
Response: **4:54**
